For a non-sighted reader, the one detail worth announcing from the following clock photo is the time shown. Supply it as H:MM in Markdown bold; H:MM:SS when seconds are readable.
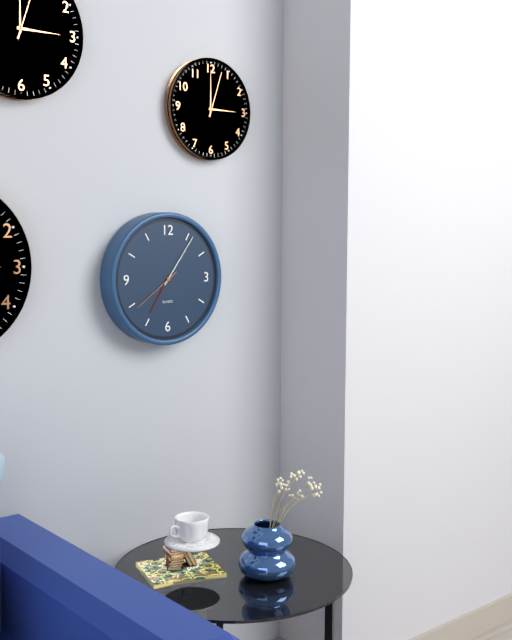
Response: **7:06:39**
